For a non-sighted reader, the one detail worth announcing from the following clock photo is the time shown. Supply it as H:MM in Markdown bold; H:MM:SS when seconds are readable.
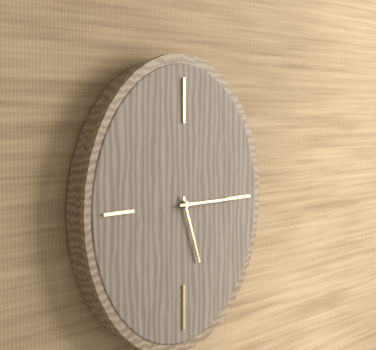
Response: **5:15**
